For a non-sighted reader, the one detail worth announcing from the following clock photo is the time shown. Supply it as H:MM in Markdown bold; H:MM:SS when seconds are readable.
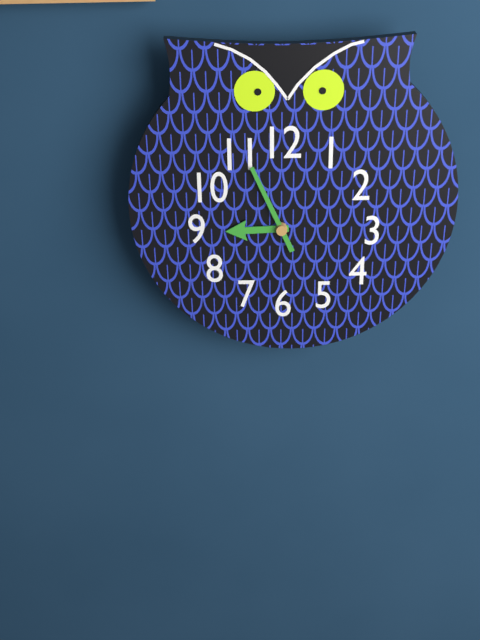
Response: **8:56**
